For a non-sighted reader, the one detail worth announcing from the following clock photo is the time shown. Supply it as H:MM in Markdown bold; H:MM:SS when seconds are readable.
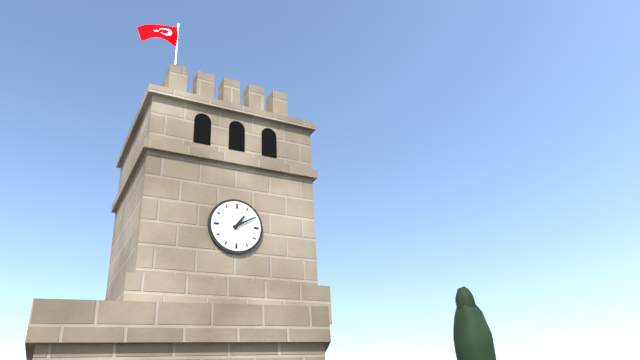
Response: **1:10**
